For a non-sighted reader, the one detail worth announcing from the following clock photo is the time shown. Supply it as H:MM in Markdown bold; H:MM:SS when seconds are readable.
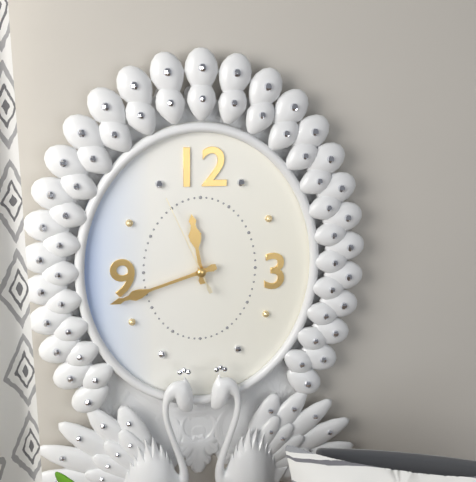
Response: **11:42:56**
